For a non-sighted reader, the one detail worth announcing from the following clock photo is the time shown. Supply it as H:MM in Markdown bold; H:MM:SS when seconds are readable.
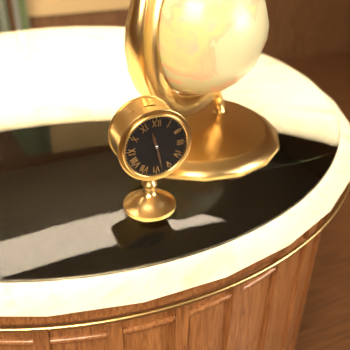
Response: **11:28**
